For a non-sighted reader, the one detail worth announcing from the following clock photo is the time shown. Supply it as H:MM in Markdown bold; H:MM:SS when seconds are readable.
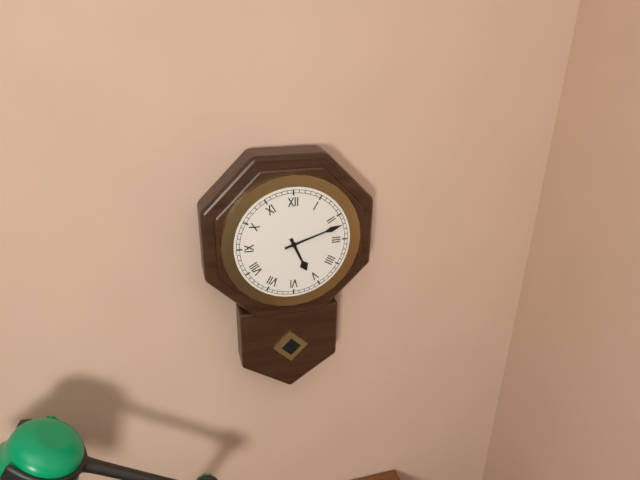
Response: **5:12**
